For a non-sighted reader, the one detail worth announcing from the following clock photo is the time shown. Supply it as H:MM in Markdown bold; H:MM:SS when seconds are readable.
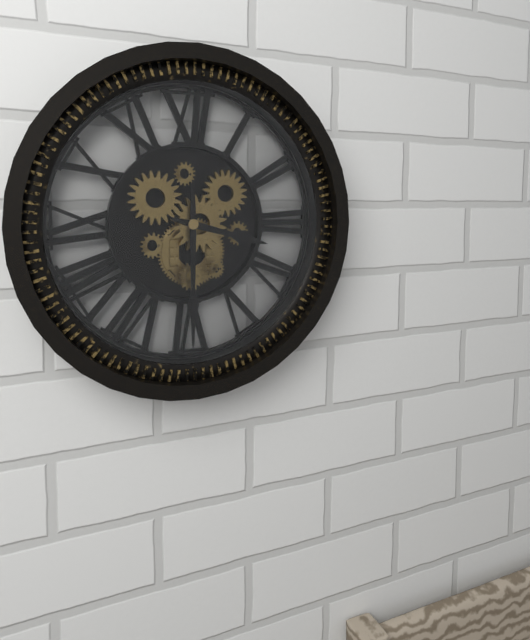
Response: **3:30**
